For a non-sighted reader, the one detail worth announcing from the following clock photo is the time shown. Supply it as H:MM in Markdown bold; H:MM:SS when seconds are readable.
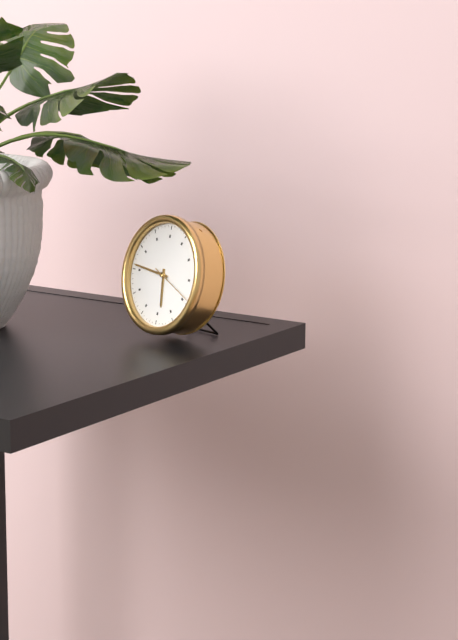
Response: **5:46**
